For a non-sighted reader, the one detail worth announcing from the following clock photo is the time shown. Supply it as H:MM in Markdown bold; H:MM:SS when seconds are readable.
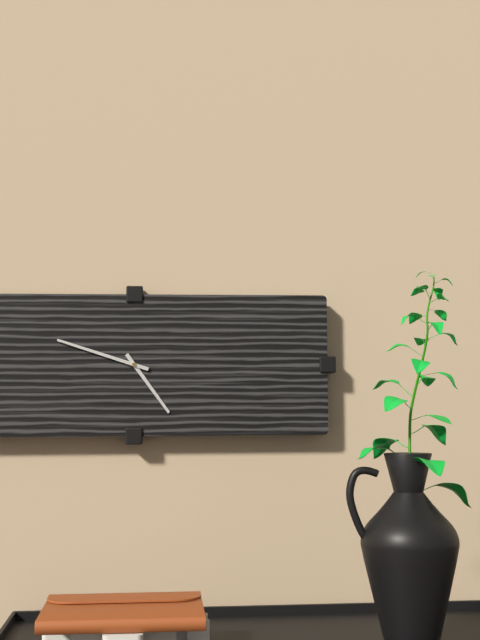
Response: **4:48**
